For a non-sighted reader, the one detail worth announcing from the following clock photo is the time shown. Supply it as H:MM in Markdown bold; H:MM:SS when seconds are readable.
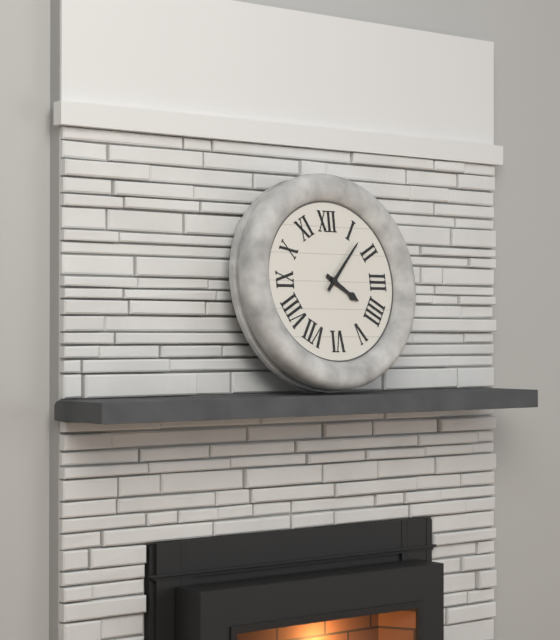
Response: **4:07**
